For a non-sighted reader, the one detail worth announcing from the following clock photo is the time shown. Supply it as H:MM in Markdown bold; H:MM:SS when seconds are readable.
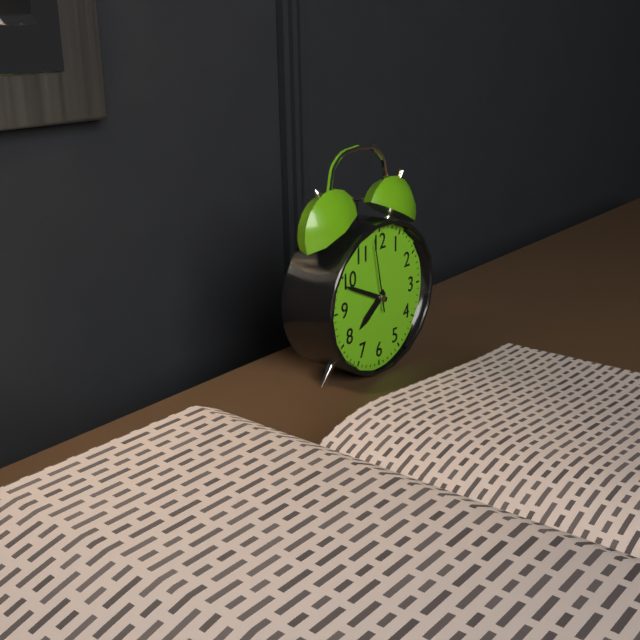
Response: **7:49:58**
